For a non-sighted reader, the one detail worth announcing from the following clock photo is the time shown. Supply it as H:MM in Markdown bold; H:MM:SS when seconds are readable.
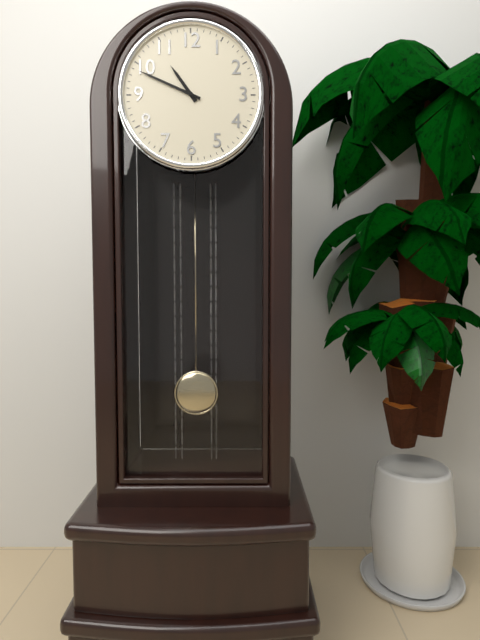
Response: **10:49**
